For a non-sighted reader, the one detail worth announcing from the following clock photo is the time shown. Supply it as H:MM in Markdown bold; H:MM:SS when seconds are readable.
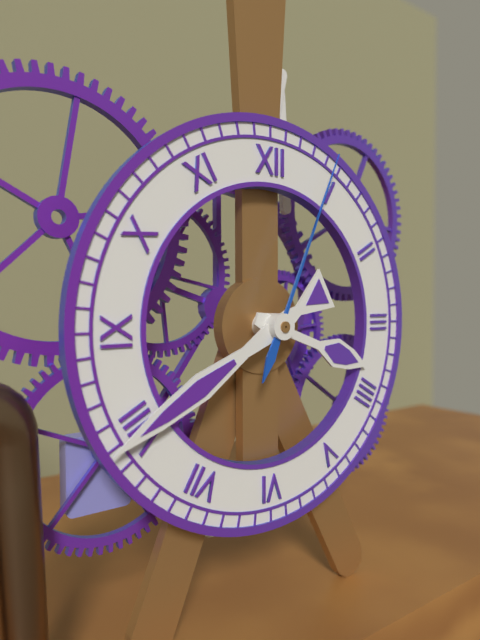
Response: **3:40:04**
